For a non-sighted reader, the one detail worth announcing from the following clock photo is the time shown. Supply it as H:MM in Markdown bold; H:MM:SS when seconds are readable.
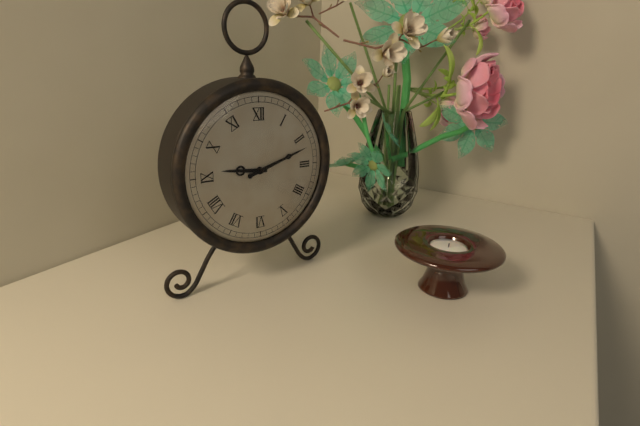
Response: **9:12**
